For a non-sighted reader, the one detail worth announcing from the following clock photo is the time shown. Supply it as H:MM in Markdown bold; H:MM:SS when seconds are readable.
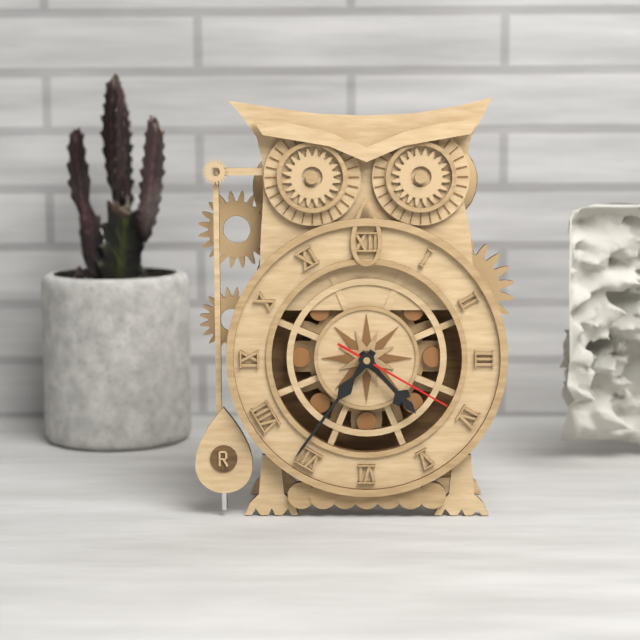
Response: **4:36:20**
